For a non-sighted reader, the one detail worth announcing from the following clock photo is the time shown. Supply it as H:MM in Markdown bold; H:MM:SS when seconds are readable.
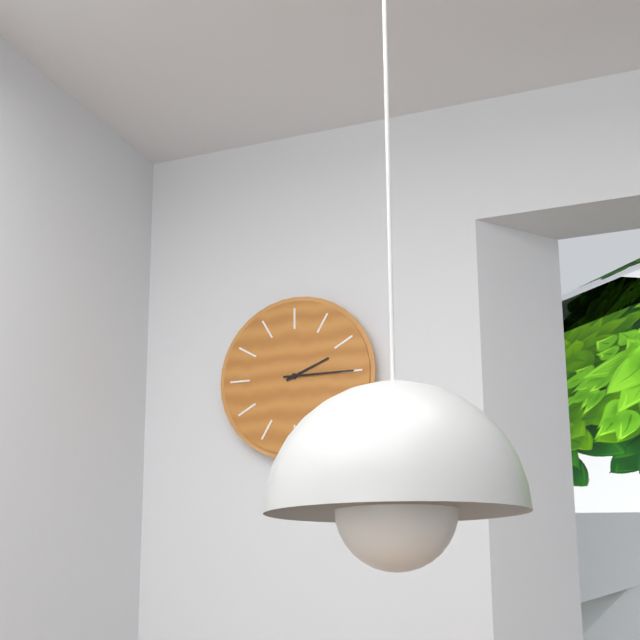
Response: **2:15**
